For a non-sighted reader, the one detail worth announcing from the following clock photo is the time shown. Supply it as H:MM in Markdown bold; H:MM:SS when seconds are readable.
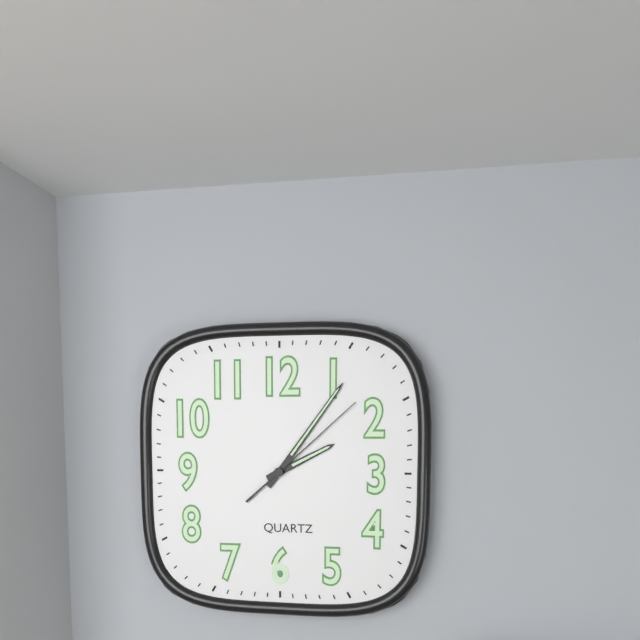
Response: **2:06:08**
